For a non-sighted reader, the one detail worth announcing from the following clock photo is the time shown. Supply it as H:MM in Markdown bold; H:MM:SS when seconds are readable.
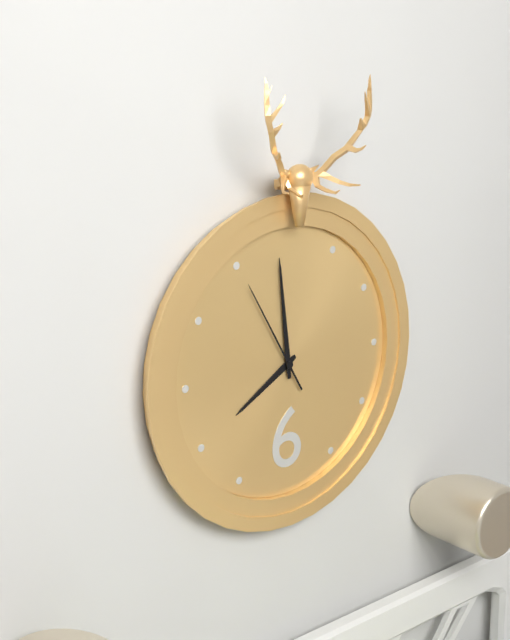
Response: **7:59:55**
